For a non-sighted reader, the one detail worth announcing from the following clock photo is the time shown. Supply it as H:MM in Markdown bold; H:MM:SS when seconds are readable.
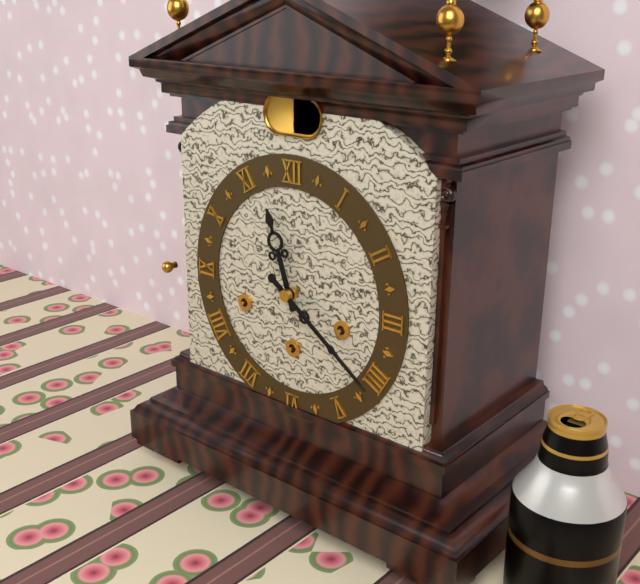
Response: **11:21**
